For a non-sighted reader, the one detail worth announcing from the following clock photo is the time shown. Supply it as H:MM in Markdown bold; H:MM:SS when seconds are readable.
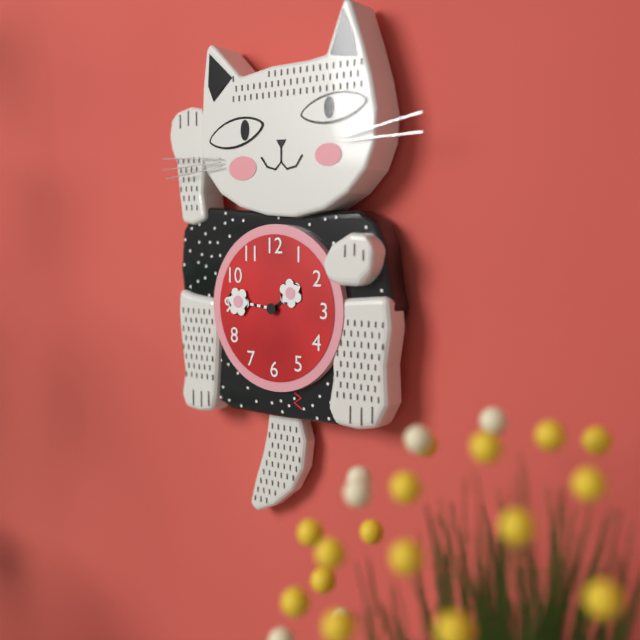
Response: **1:46**
